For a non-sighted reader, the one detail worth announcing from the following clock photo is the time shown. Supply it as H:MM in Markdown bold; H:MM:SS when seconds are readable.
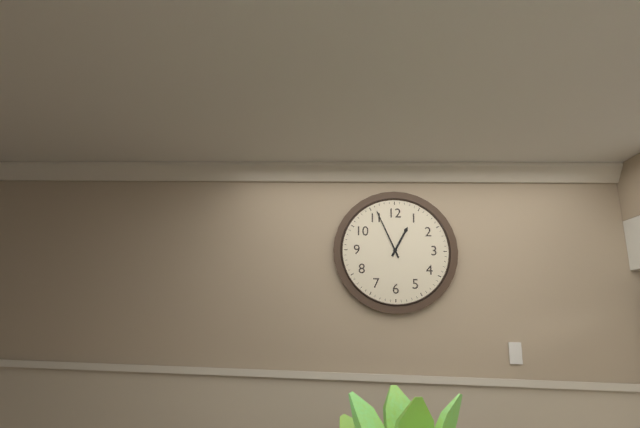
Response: **12:56**
